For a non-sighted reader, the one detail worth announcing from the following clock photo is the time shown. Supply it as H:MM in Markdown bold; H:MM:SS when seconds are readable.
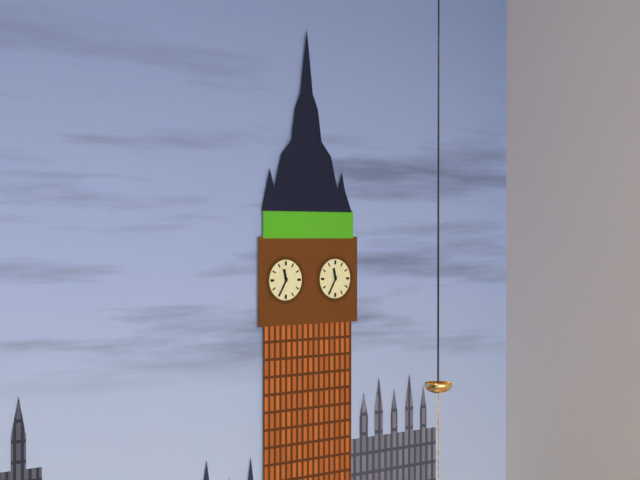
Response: **11:35**
